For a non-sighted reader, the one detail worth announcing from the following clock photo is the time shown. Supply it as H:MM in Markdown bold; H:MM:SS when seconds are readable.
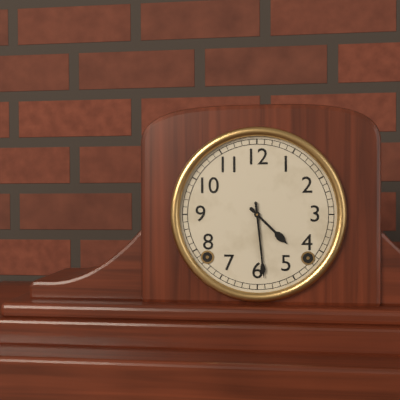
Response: **4:29**
